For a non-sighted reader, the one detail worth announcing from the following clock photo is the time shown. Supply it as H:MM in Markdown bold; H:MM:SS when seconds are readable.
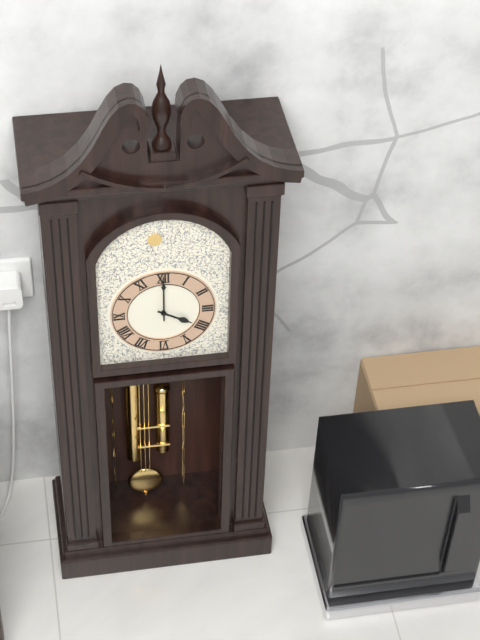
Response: **4:00**
